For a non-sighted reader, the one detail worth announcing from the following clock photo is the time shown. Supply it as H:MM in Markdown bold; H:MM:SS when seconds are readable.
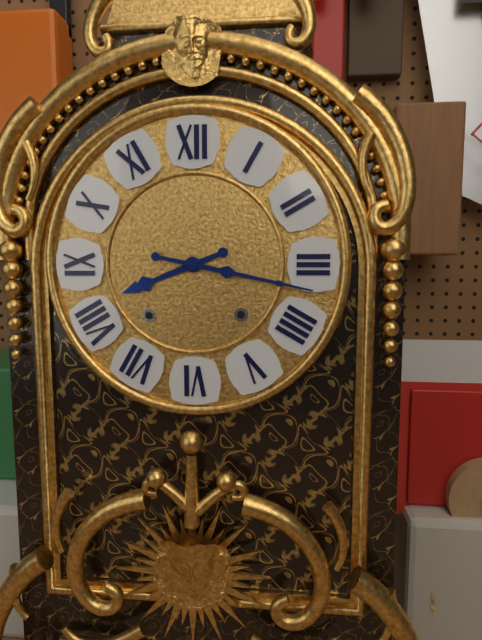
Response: **8:17**
